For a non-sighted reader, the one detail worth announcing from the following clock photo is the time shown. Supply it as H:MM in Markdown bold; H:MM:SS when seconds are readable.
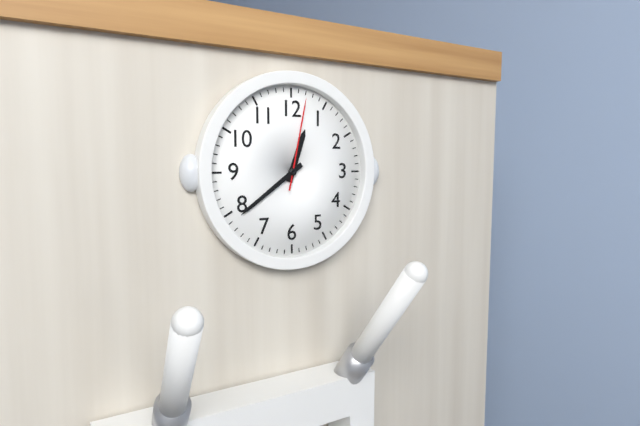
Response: **12:39:02**
